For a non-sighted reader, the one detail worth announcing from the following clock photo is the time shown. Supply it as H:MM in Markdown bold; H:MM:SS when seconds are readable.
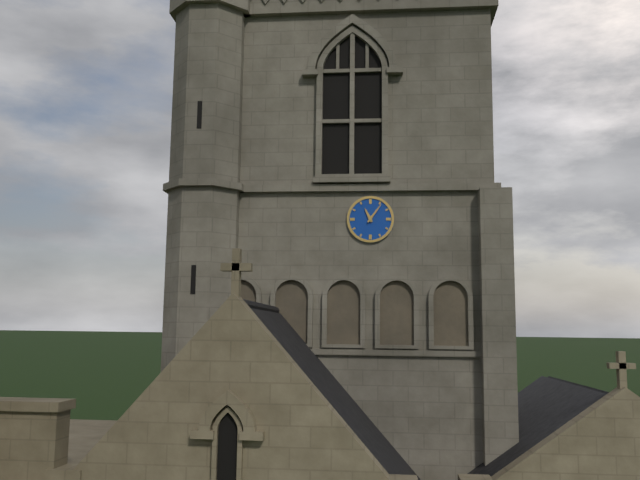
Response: **11:06**
